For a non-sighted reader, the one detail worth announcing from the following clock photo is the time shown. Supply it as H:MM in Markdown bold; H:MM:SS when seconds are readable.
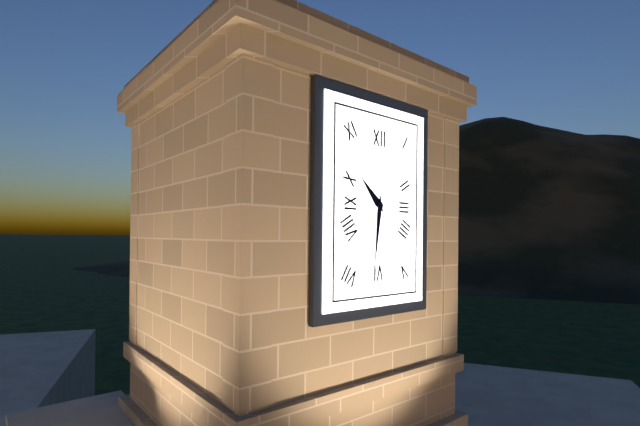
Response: **10:31**
